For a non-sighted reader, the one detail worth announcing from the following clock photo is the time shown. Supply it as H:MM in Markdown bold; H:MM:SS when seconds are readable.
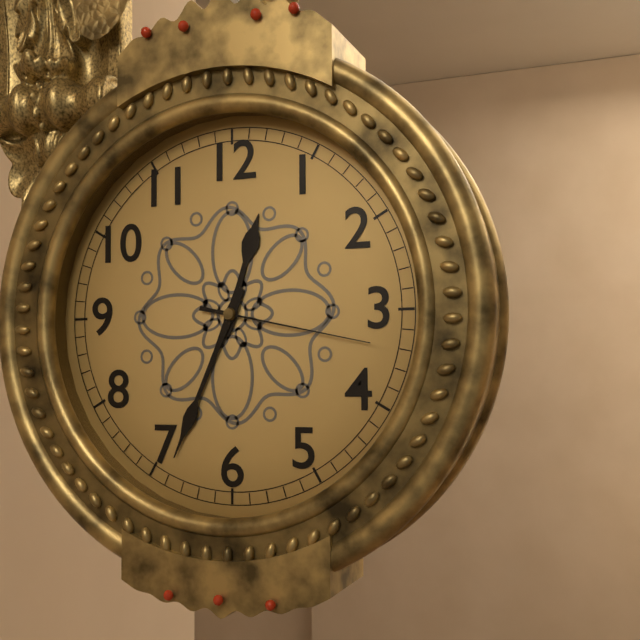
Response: **12:34:17**
